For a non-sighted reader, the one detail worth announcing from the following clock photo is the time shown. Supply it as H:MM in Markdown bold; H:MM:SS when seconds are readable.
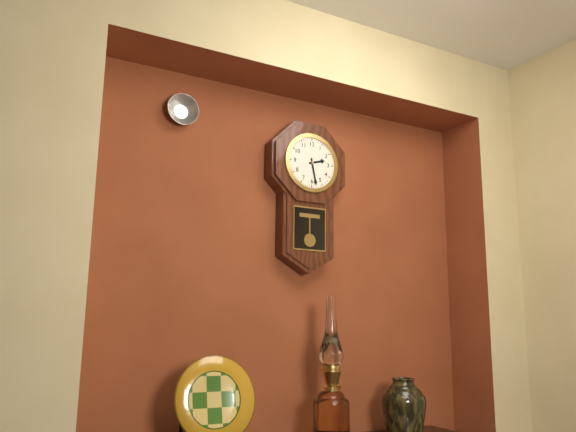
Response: **2:28**
